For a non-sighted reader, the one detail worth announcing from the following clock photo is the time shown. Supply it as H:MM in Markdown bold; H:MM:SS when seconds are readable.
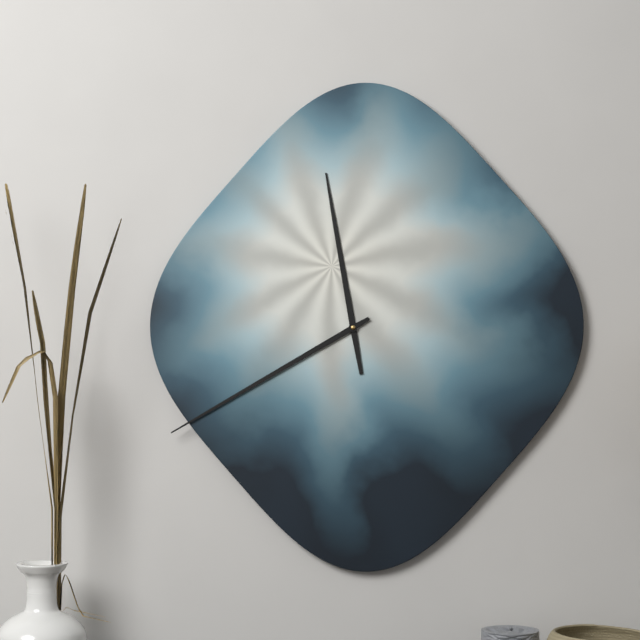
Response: **11:40**
